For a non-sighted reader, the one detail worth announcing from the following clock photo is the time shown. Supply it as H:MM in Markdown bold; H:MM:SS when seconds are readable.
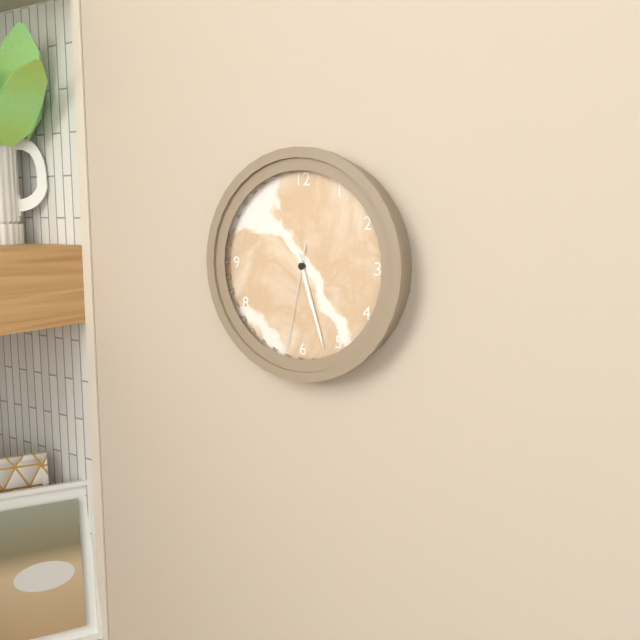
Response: **5:27:32**
